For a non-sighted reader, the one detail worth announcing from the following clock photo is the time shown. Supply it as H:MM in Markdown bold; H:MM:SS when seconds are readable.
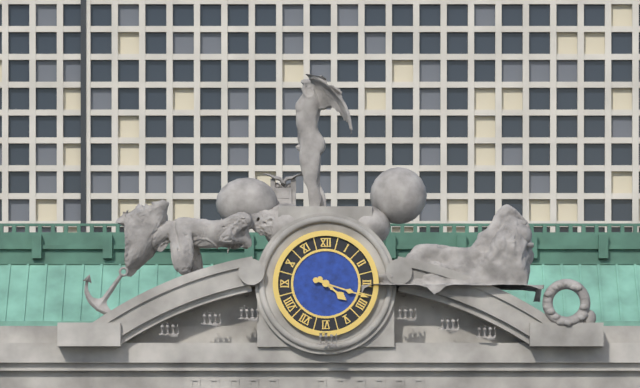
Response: **4:18**
